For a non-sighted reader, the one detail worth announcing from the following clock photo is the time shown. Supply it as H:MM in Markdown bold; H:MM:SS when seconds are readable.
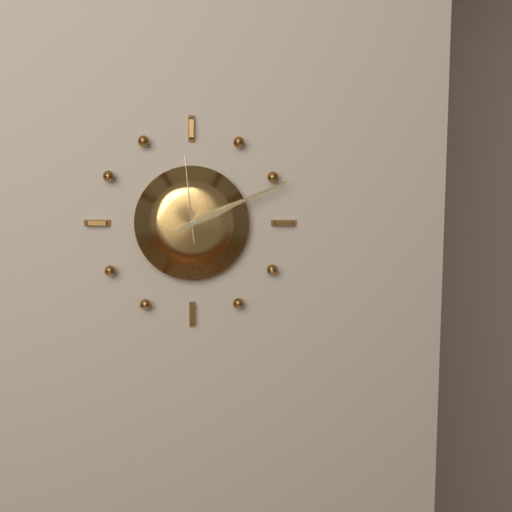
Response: **2:11:59**
